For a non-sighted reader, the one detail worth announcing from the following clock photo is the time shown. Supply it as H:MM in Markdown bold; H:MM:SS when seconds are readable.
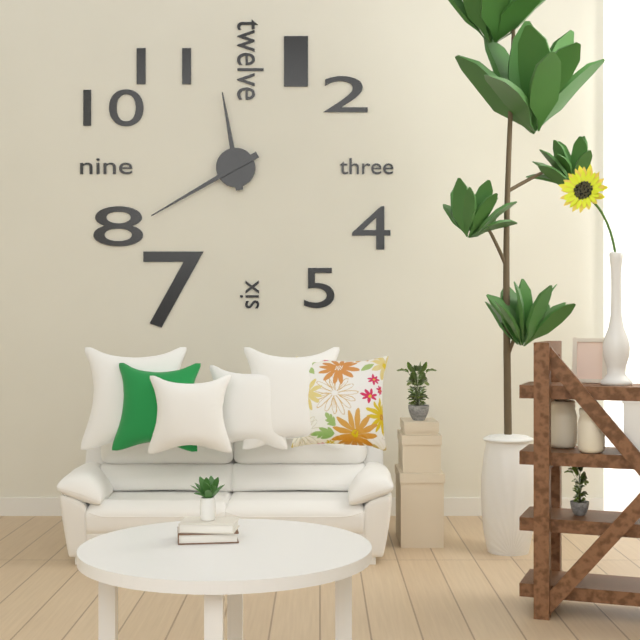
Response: **11:40**
